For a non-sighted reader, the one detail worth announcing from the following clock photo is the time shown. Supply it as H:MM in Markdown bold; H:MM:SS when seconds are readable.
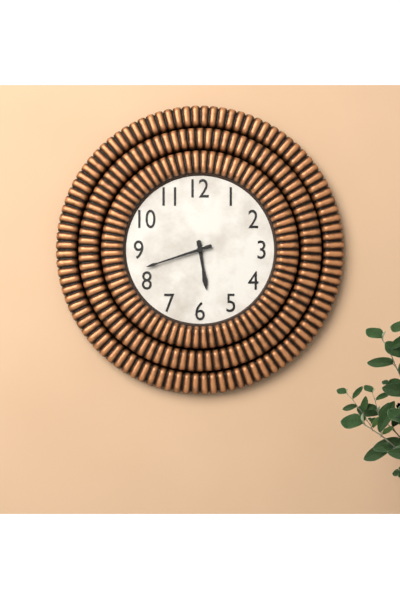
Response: **5:42**
